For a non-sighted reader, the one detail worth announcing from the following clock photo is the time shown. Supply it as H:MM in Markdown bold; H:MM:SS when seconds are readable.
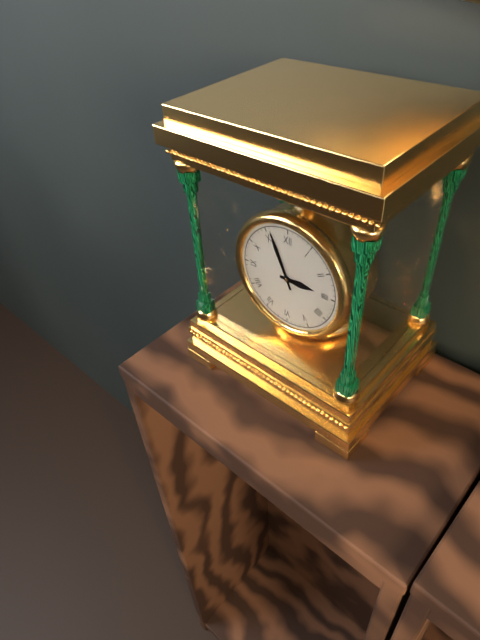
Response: **2:56**
